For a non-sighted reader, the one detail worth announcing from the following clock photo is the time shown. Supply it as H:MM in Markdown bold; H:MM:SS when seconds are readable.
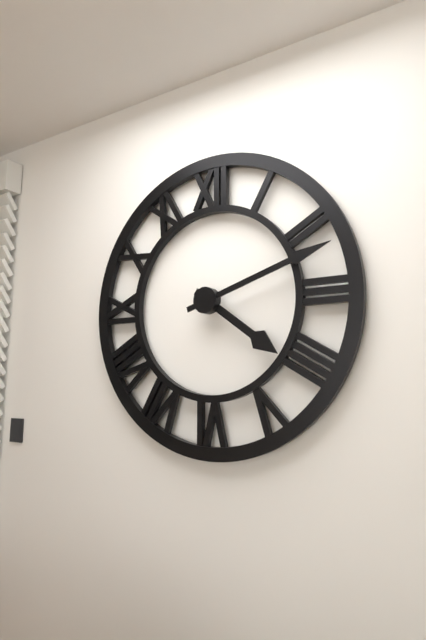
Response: **4:12**
